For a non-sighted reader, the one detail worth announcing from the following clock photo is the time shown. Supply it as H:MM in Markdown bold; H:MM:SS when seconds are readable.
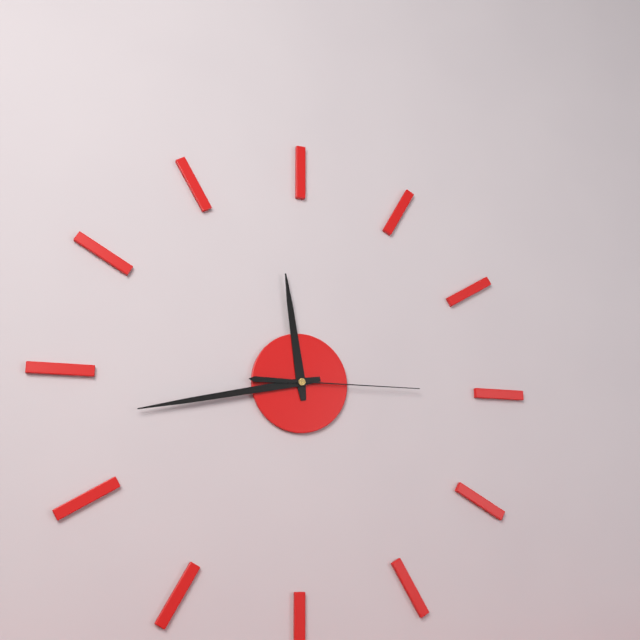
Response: **11:43:15**
